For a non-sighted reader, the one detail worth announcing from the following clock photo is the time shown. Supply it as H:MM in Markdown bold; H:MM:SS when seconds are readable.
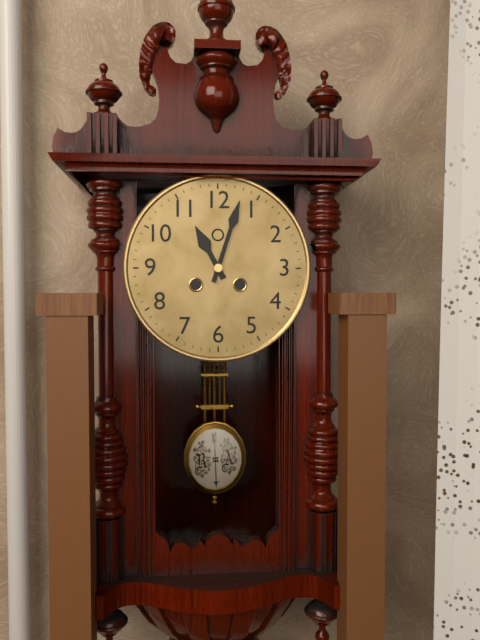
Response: **11:03**
